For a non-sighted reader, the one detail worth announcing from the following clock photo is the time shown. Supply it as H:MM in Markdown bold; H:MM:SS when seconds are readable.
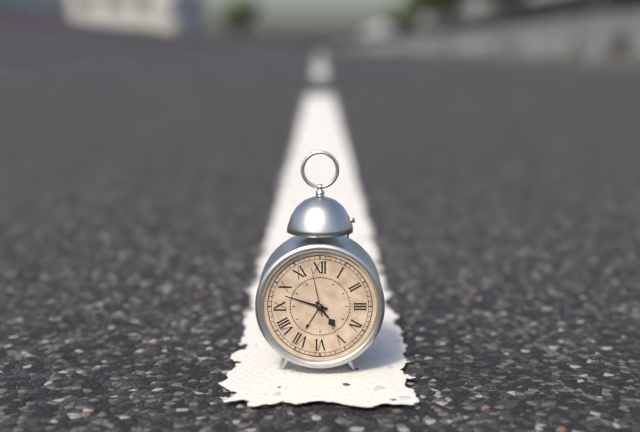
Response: **4:48:58**
